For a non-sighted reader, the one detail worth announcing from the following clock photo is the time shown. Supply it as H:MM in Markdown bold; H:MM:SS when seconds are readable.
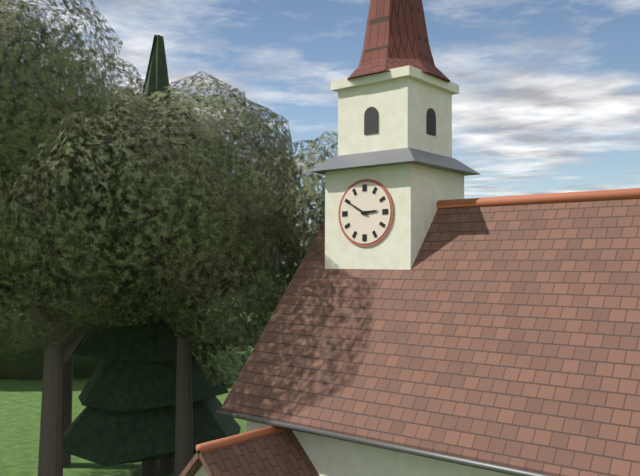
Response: **2:50**
